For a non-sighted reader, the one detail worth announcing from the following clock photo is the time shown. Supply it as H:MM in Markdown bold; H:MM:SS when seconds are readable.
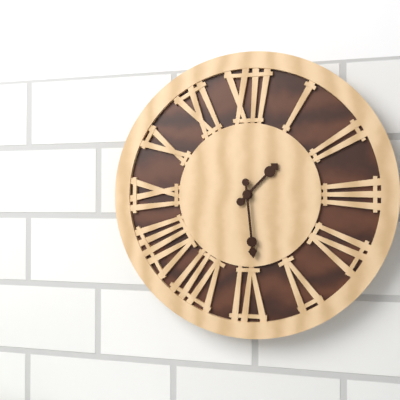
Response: **1:29**
